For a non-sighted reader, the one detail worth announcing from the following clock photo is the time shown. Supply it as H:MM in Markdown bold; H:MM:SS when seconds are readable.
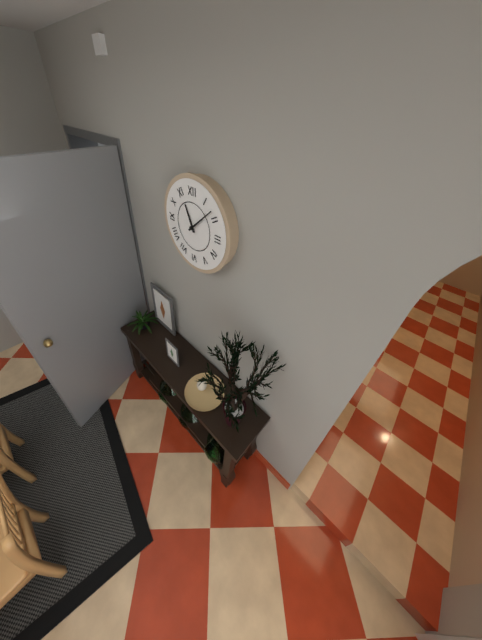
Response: **11:08**
